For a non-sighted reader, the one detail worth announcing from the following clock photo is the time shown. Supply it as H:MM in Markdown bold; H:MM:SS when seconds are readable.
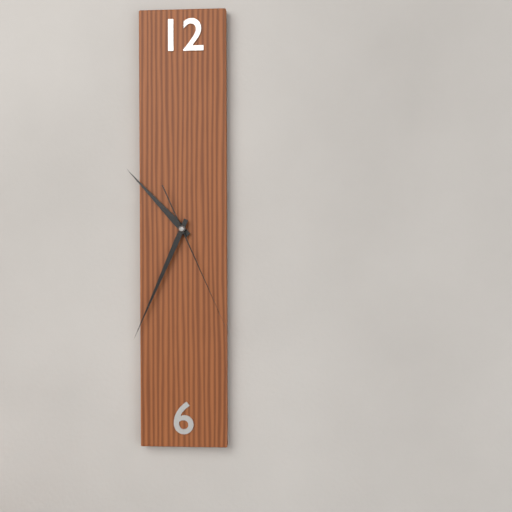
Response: **10:34:26**
